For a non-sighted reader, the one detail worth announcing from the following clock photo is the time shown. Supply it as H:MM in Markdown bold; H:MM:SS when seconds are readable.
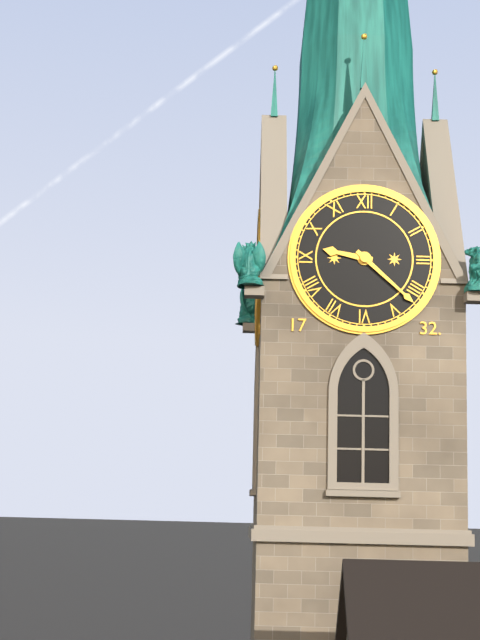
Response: **9:22**
